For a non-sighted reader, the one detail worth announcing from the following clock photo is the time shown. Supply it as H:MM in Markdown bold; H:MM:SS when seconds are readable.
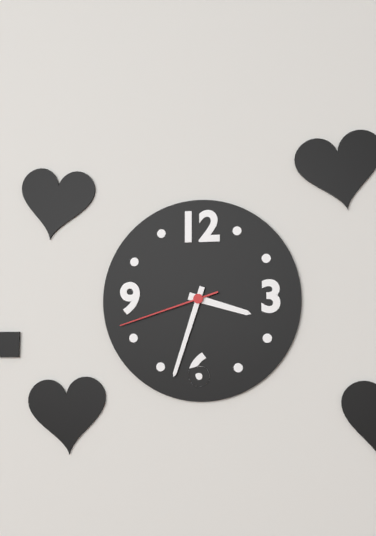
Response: **3:33:42**
